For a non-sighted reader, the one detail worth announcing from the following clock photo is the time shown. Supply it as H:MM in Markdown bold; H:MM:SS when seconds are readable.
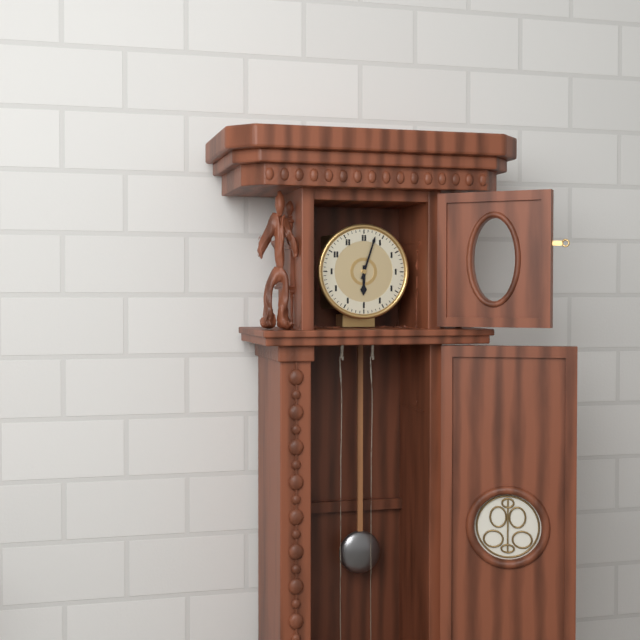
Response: **6:03**
